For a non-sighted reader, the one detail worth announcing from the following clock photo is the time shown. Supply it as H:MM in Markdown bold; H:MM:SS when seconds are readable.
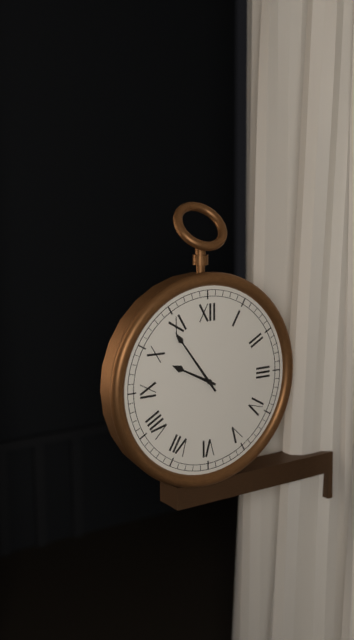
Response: **9:54**
